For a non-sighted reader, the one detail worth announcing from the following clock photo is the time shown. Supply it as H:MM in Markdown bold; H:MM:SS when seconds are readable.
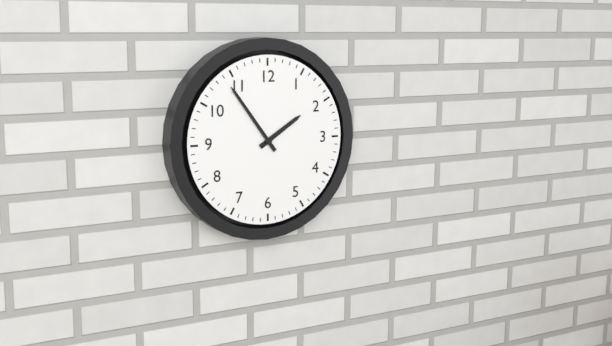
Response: **1:54**
